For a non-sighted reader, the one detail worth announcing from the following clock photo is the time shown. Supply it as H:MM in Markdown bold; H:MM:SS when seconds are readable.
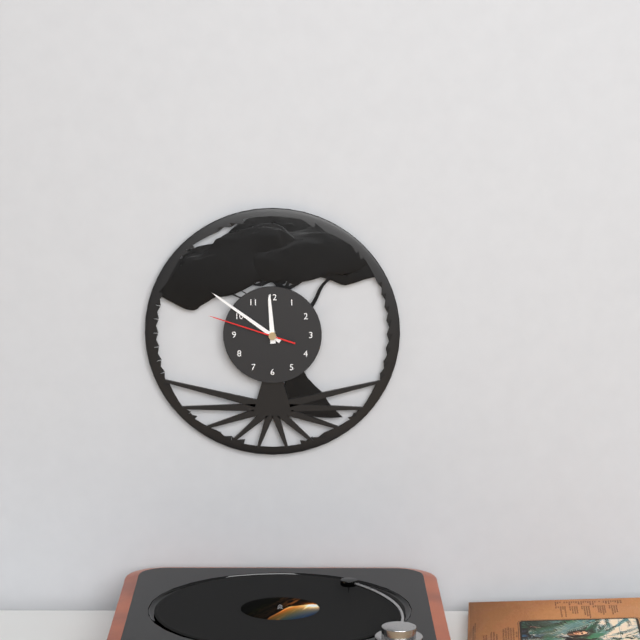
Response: **11:51:48**
